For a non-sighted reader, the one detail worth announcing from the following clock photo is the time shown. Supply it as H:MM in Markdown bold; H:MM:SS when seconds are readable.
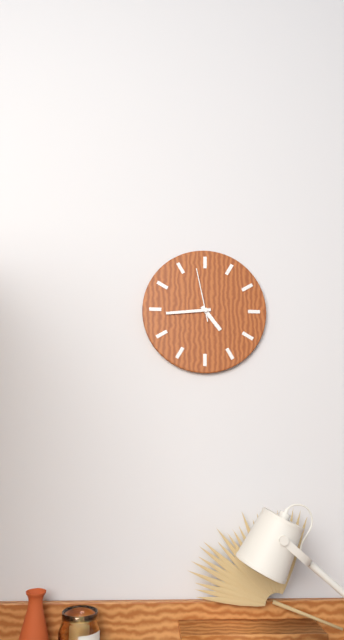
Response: **4:44:58**
